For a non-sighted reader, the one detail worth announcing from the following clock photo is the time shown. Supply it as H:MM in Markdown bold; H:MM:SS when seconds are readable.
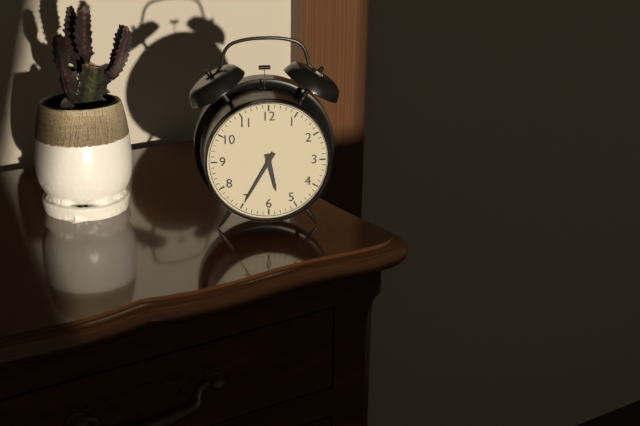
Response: **5:35**
